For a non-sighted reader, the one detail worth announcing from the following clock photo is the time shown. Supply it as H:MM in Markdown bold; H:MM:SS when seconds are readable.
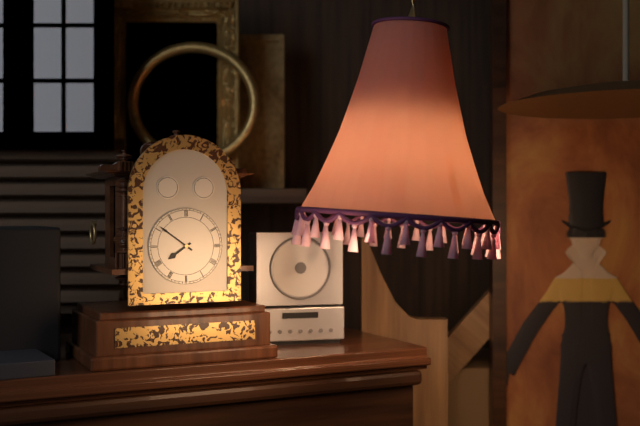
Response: **7:51**
